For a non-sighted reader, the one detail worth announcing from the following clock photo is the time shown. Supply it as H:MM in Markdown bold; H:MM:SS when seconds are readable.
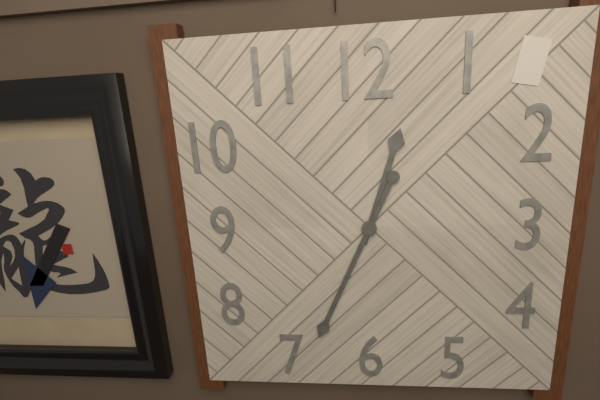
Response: **12:34**
